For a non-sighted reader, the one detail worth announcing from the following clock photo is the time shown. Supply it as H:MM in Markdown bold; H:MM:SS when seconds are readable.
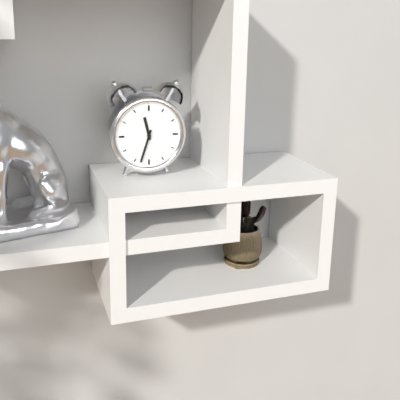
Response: **11:33**
